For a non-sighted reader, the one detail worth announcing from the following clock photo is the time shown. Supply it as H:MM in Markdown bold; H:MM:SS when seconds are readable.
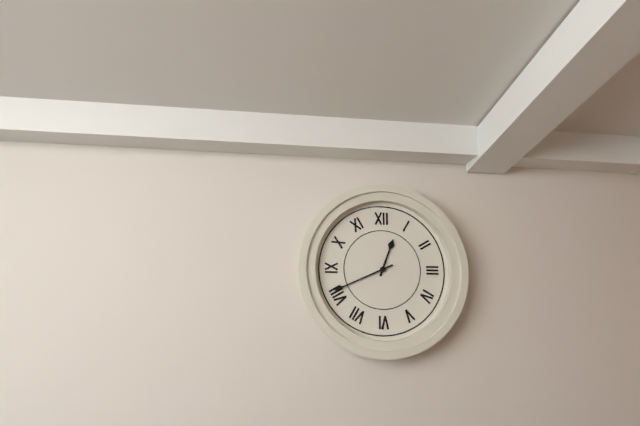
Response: **12:41**
